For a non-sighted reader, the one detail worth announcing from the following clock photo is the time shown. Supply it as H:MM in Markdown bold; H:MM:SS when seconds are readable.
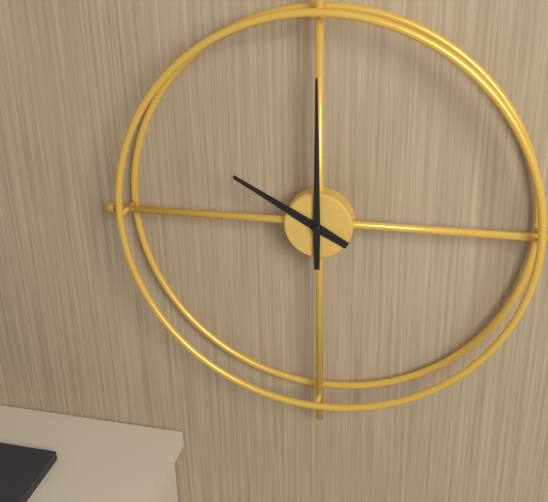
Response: **10:00**
